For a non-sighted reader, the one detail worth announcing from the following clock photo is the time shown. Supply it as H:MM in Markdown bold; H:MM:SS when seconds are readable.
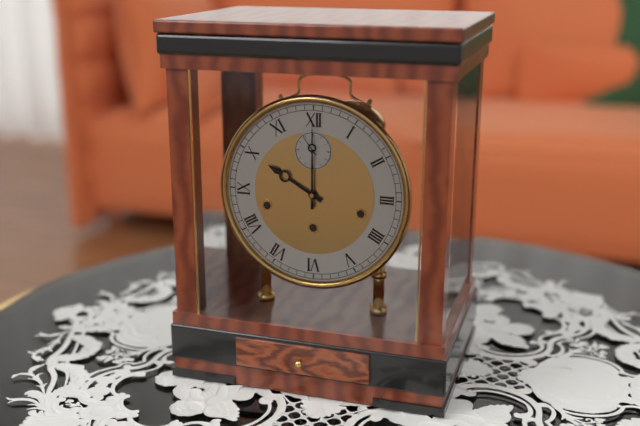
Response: **10:00**
